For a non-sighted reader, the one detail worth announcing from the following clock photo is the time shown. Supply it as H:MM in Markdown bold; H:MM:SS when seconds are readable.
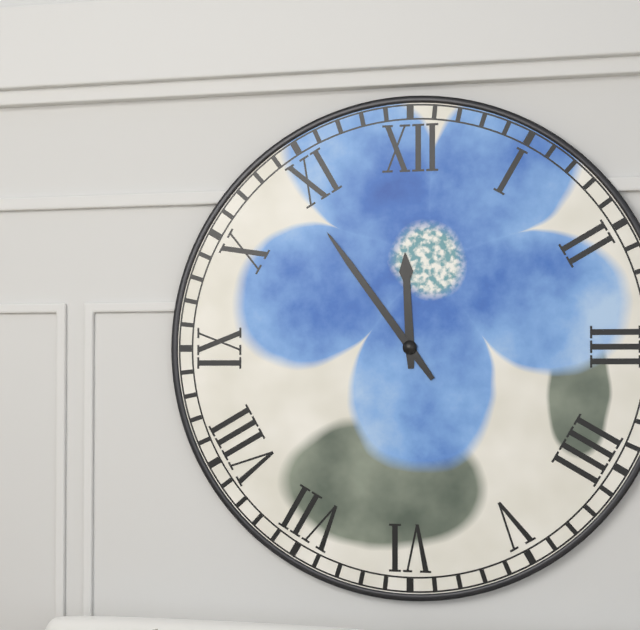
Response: **11:54**
